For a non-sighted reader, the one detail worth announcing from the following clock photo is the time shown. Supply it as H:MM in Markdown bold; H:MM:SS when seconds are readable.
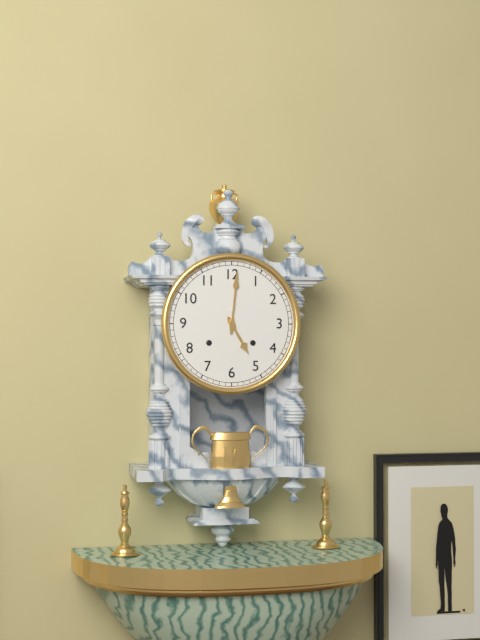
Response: **5:01**
